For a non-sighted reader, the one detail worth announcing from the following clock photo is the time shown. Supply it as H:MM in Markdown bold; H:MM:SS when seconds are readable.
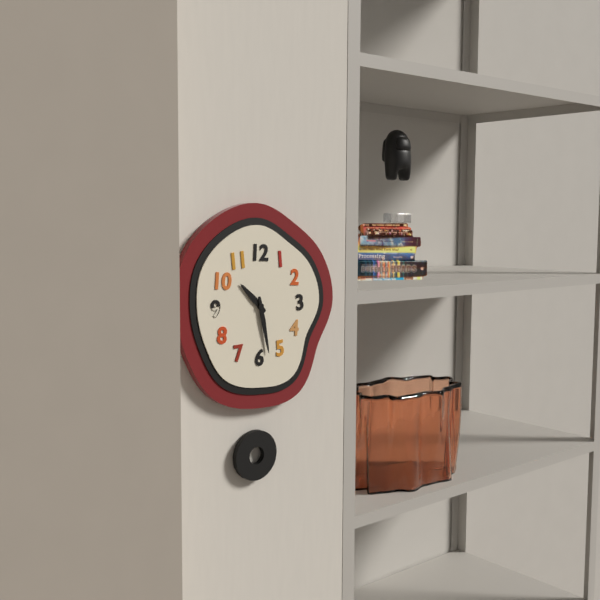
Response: **10:28**
